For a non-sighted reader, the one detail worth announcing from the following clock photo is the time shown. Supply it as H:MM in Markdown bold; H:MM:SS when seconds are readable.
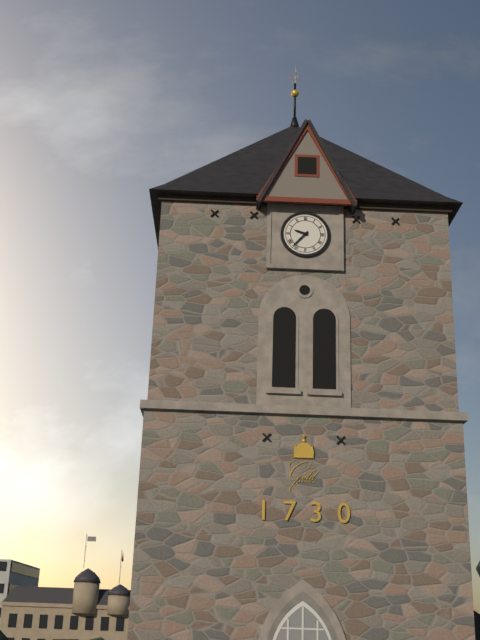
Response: **9:37**
